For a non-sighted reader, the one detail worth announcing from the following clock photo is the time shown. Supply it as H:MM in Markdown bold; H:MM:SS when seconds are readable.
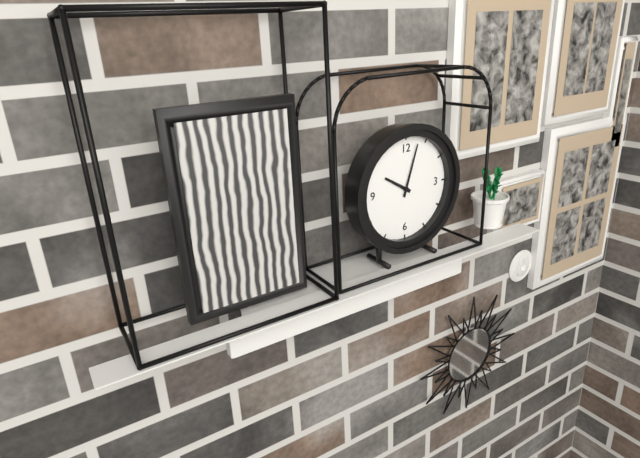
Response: **10:03**
